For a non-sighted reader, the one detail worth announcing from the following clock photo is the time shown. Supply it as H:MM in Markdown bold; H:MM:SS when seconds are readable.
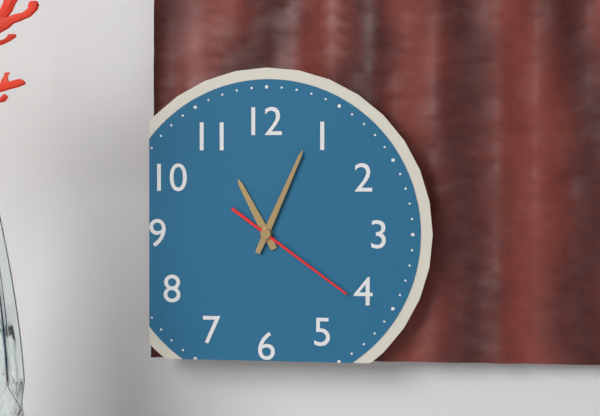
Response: **11:04:21**
